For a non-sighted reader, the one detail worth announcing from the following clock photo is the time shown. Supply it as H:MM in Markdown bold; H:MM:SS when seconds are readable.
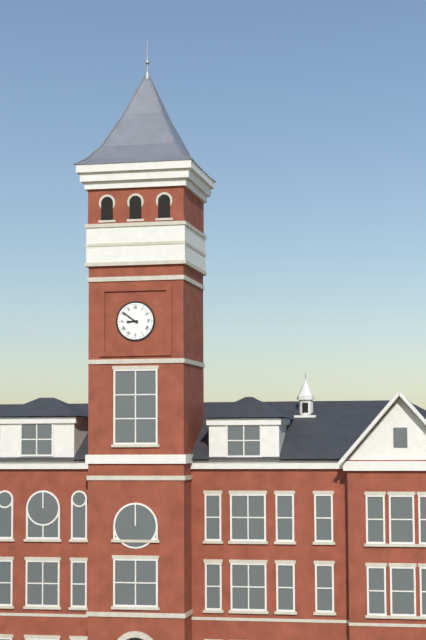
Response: **8:51**
